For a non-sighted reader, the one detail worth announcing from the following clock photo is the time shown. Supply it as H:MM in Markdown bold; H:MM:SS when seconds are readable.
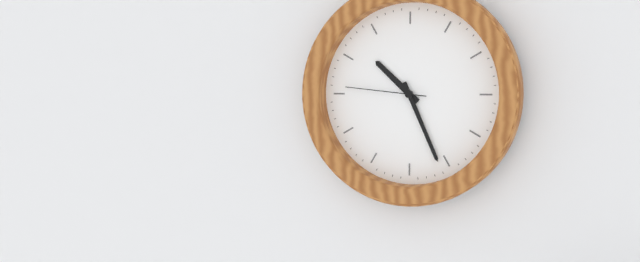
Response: **10:26:46**
